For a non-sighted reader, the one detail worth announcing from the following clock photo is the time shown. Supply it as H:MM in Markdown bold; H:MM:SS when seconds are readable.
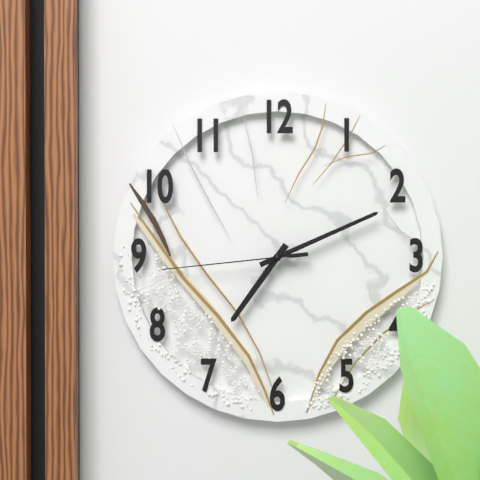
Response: **7:11:44**
